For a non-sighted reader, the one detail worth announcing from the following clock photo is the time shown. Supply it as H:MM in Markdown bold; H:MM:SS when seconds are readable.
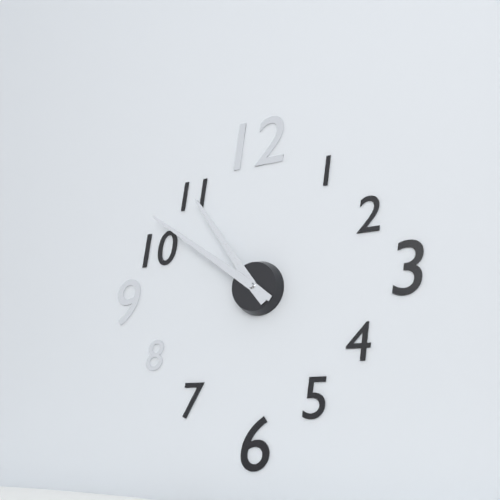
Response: **10:51**
